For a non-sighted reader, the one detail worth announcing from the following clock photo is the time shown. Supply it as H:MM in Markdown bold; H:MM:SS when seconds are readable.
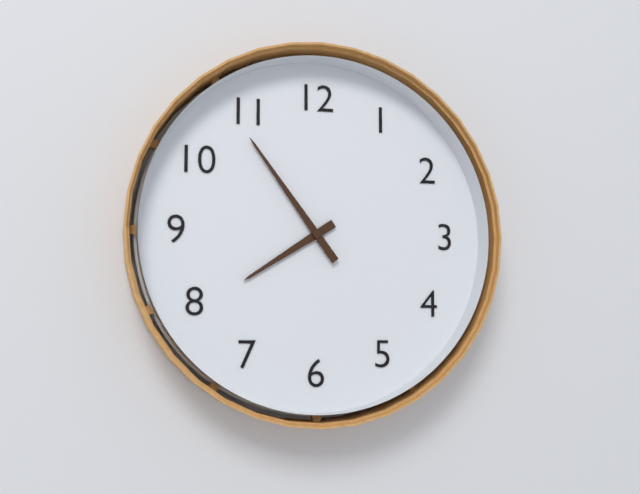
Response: **7:54**
